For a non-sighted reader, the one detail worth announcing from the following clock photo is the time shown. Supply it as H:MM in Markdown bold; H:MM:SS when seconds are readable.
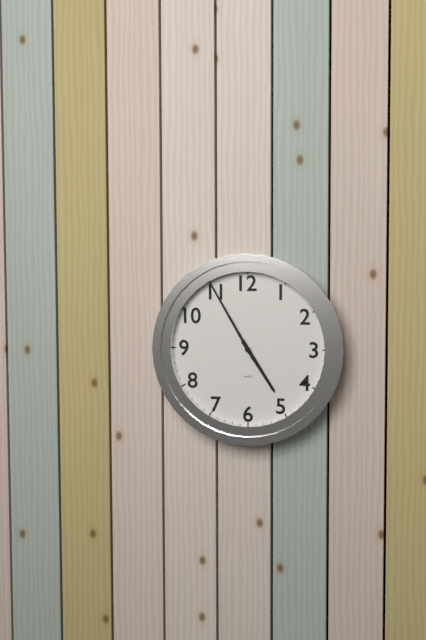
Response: **4:55**
